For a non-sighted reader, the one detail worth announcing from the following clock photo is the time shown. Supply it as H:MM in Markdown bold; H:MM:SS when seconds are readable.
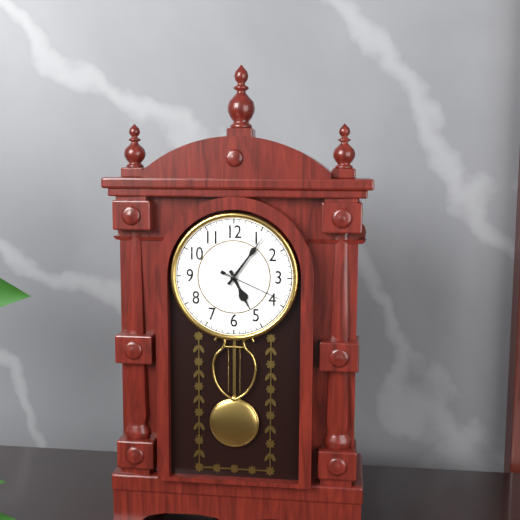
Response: **5:06:19**
